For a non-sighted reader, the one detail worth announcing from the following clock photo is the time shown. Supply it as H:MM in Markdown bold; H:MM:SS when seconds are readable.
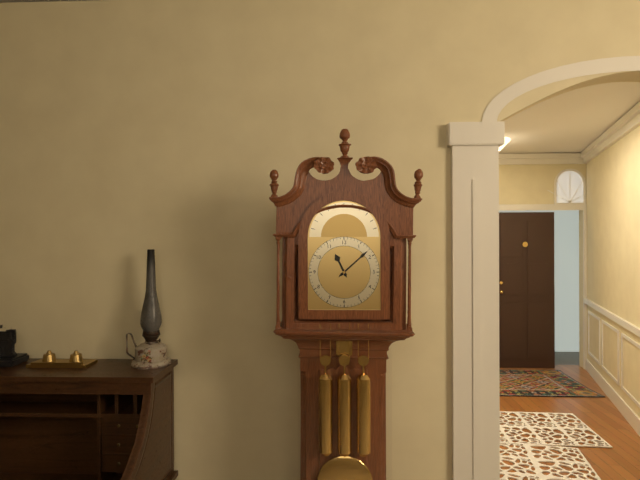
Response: **11:08**
